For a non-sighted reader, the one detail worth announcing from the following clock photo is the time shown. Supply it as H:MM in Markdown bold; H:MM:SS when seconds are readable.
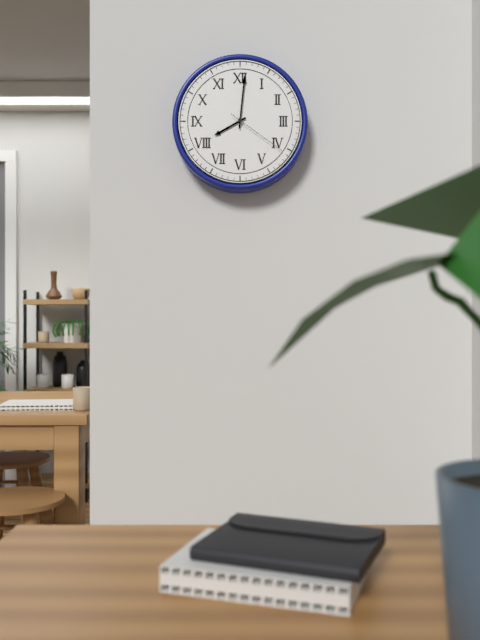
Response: **8:01:21**
